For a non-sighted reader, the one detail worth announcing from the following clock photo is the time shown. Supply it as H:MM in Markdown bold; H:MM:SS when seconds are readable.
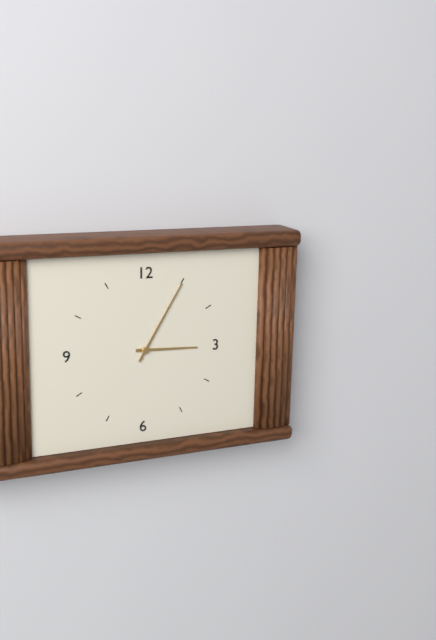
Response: **3:05**
